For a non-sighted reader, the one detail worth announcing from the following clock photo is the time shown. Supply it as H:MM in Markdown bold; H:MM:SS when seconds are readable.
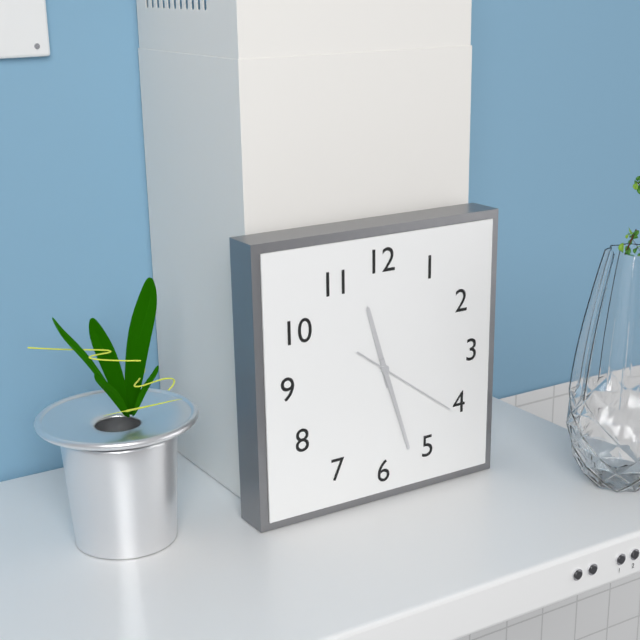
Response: **11:27:21**
